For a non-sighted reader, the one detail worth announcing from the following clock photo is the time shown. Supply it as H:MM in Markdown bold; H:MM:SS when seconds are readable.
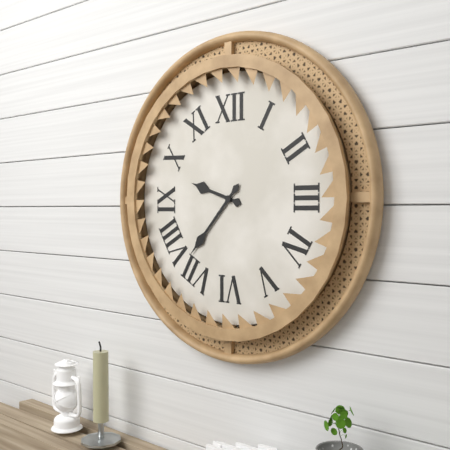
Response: **9:37**
